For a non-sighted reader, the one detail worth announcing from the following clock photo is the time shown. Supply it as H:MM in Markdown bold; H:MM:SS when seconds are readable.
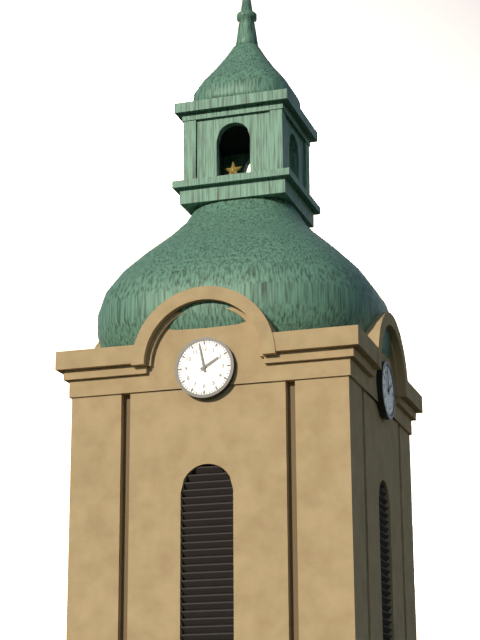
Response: **1:58**
